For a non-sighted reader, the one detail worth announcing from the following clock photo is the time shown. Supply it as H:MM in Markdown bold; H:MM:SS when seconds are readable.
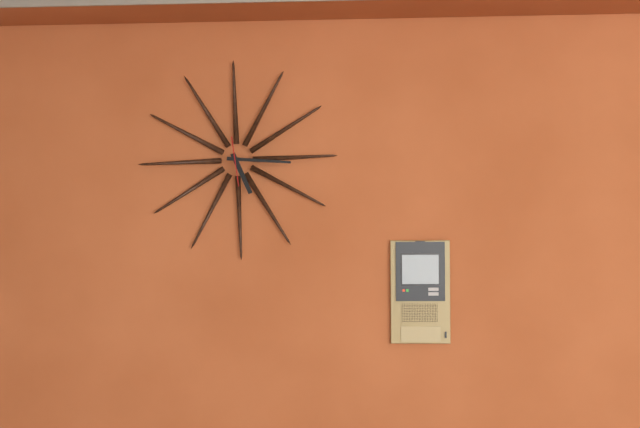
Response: **5:16**
